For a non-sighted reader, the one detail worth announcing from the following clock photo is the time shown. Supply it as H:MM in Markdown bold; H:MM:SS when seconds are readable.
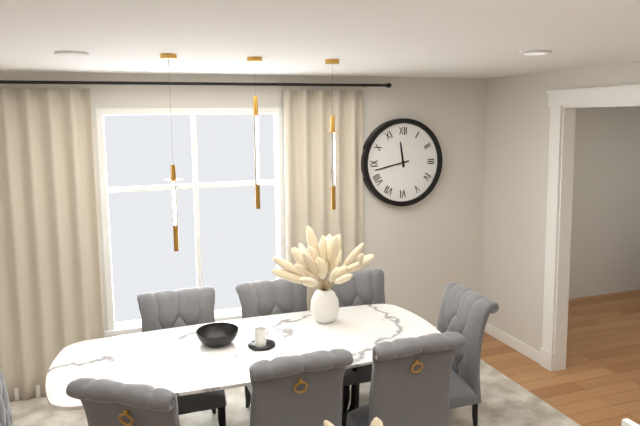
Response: **11:43**
